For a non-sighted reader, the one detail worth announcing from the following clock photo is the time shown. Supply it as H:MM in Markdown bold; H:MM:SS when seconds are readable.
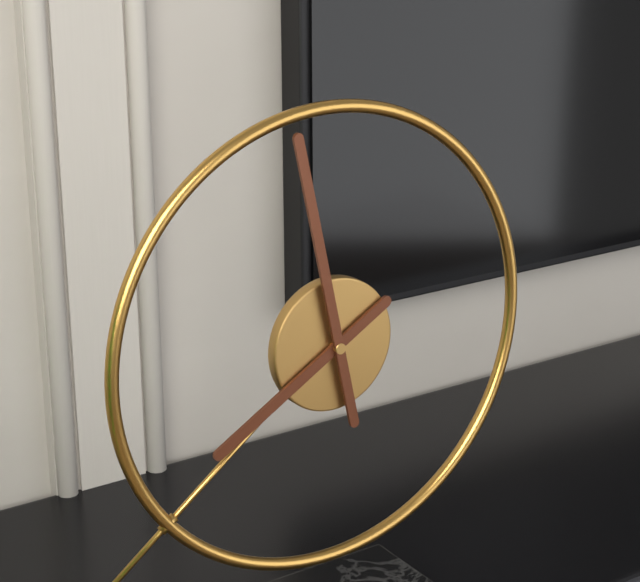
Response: **7:58**
